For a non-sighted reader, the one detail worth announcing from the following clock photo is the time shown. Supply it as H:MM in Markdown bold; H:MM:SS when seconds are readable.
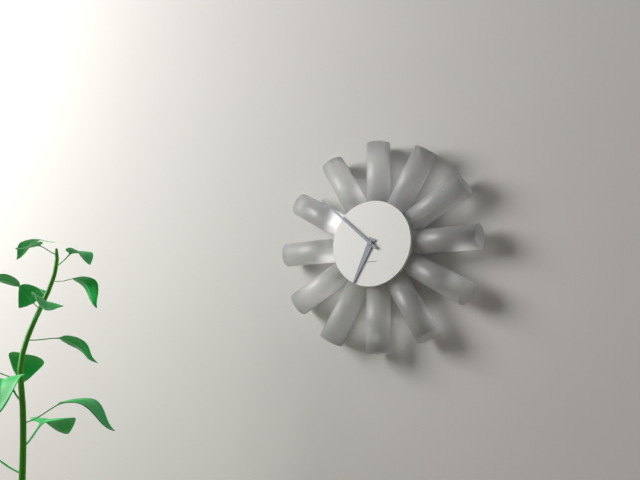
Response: **6:52**
